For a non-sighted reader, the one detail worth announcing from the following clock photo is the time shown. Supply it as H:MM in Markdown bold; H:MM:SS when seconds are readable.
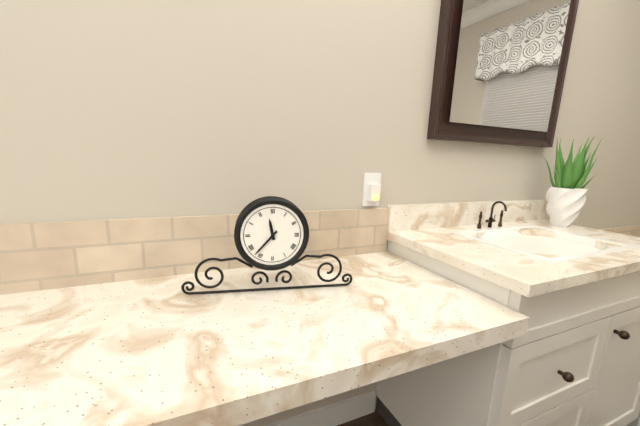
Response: **11:37**
